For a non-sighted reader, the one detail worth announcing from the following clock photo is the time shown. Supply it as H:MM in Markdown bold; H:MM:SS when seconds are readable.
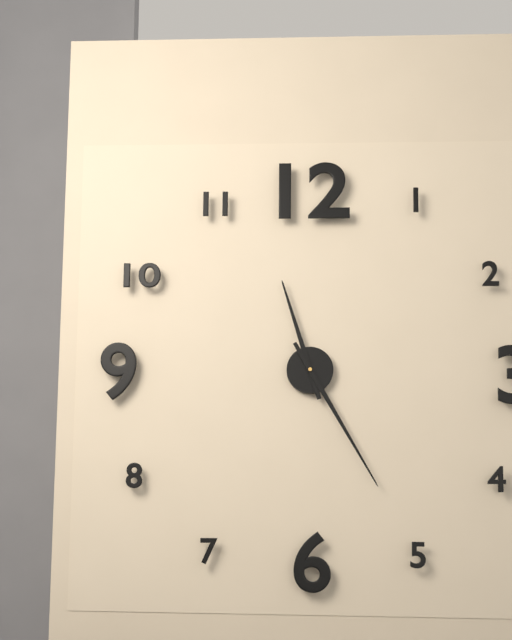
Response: **11:25**
